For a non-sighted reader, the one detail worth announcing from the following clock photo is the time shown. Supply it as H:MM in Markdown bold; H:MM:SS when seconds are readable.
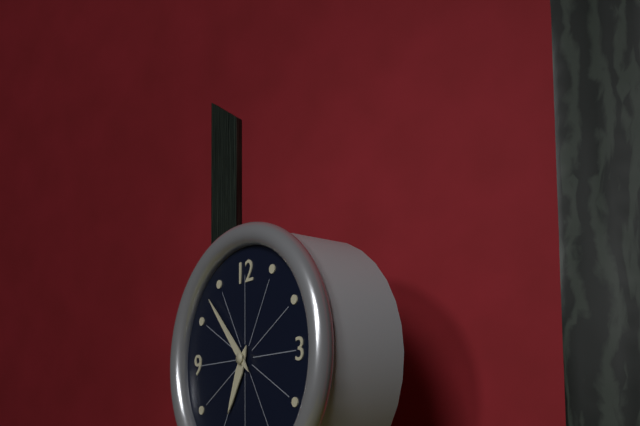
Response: **6:53**
